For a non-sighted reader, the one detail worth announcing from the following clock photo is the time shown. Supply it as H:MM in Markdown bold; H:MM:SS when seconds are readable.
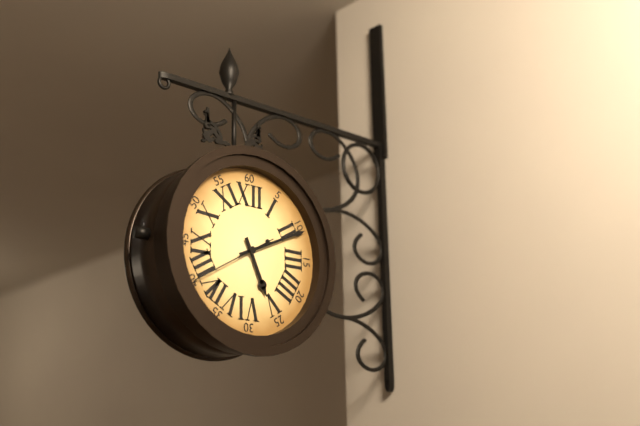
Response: **5:11:40**
